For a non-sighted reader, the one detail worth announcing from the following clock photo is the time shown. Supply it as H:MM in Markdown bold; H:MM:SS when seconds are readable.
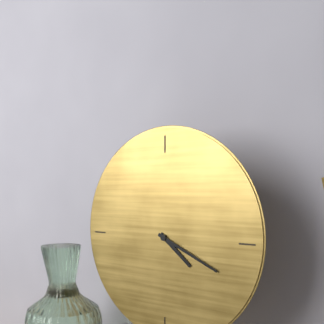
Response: **4:19**
